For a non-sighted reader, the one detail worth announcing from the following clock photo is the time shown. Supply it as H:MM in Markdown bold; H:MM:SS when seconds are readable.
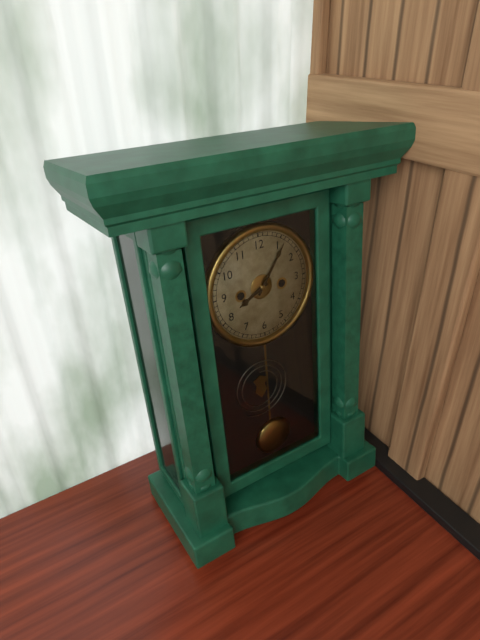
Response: **8:06**
